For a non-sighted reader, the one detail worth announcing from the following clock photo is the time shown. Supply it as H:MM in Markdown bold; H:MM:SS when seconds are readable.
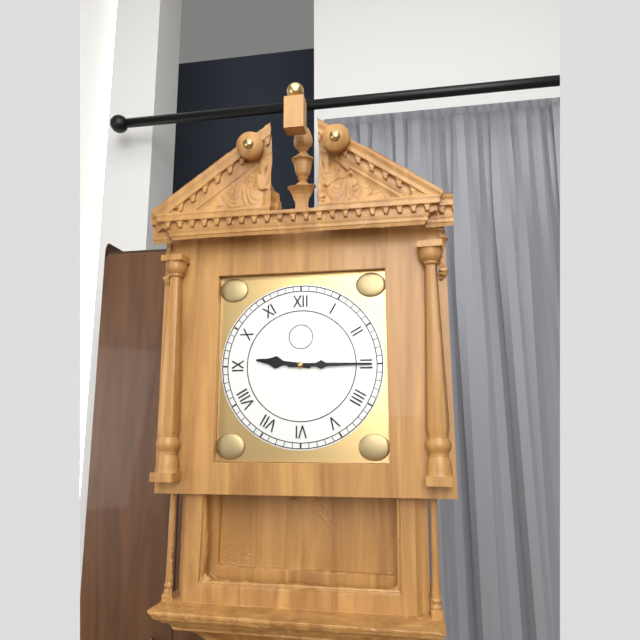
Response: **9:15**
